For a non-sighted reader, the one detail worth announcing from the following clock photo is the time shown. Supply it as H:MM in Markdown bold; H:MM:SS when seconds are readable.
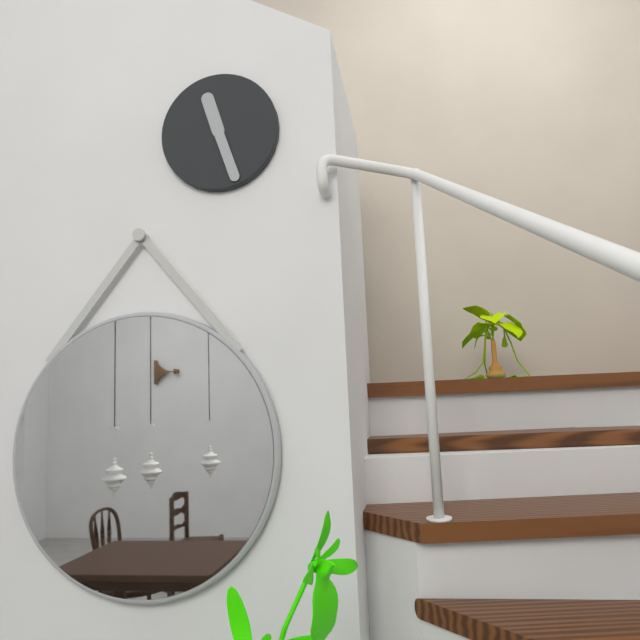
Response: **11:27**
